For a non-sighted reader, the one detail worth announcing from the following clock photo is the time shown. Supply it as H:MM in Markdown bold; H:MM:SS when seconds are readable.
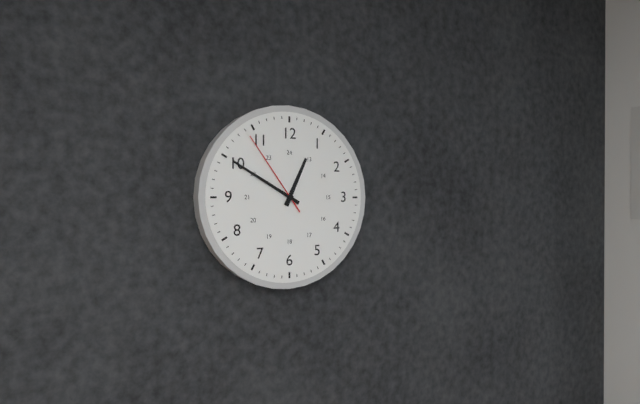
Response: **12:50:54**
